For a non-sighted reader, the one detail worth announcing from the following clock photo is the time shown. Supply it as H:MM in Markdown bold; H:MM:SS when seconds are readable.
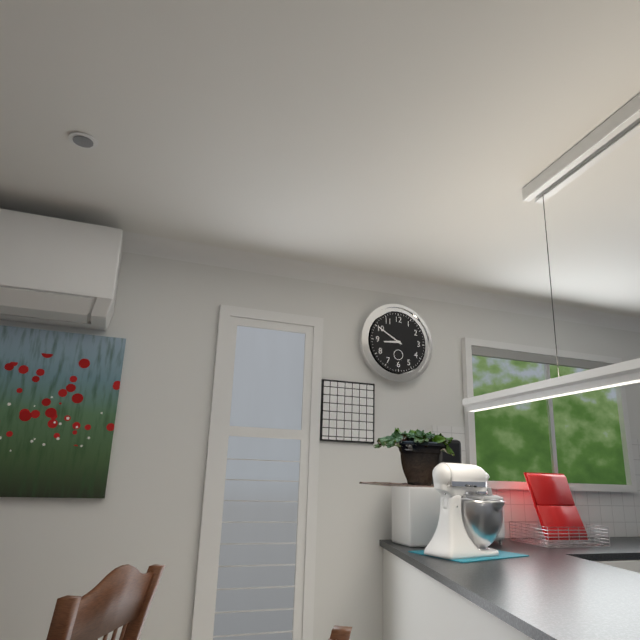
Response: **8:50**
